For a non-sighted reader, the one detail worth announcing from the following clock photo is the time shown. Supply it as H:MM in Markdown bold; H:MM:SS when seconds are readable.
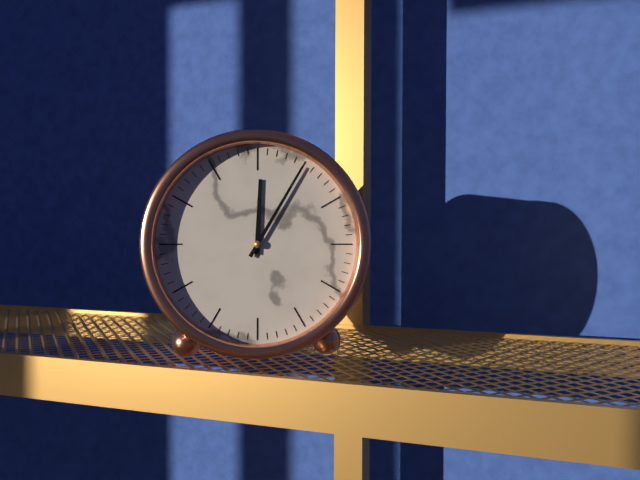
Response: **12:05**
